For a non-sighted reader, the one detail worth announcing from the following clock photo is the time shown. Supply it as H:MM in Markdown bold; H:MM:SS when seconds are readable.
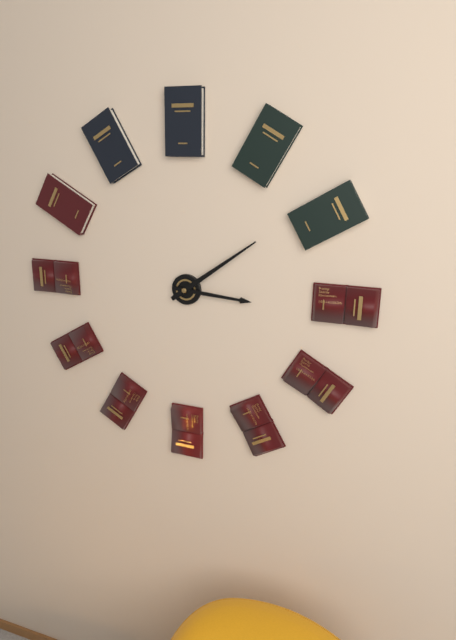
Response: **3:09**
